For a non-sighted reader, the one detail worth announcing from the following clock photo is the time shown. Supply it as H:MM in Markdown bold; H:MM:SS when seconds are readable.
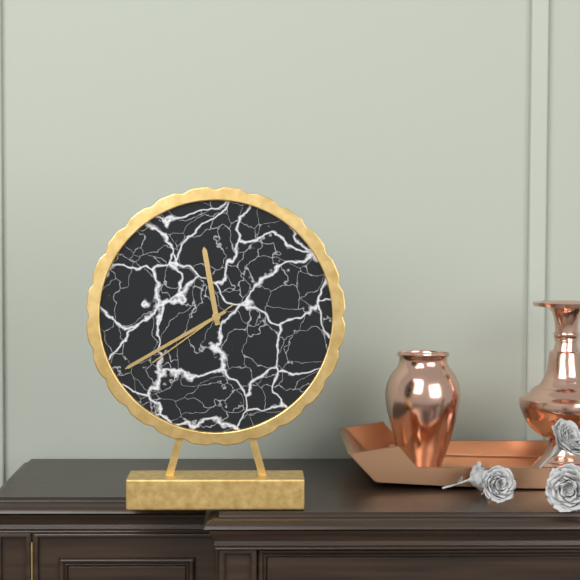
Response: **11:40:39**
